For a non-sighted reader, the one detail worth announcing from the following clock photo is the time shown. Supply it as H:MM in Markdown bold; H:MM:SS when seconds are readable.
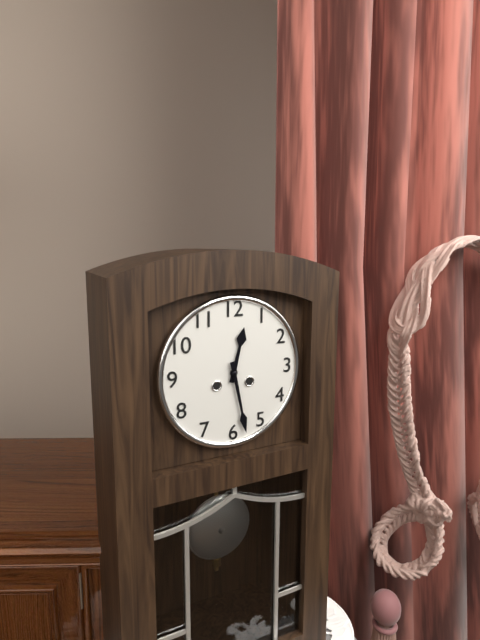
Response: **12:28**
